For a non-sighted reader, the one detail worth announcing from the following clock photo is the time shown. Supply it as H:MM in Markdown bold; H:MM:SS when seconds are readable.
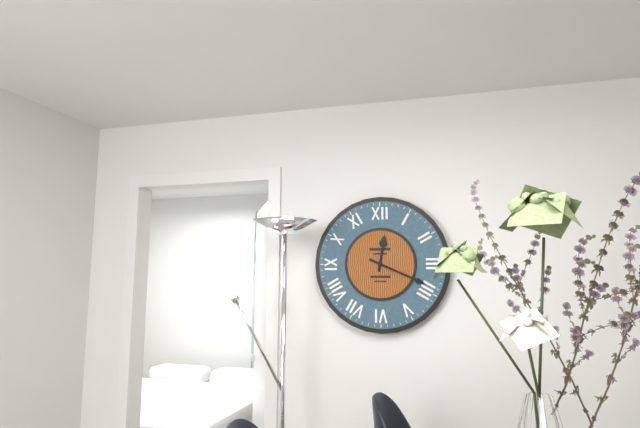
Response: **12:19**
